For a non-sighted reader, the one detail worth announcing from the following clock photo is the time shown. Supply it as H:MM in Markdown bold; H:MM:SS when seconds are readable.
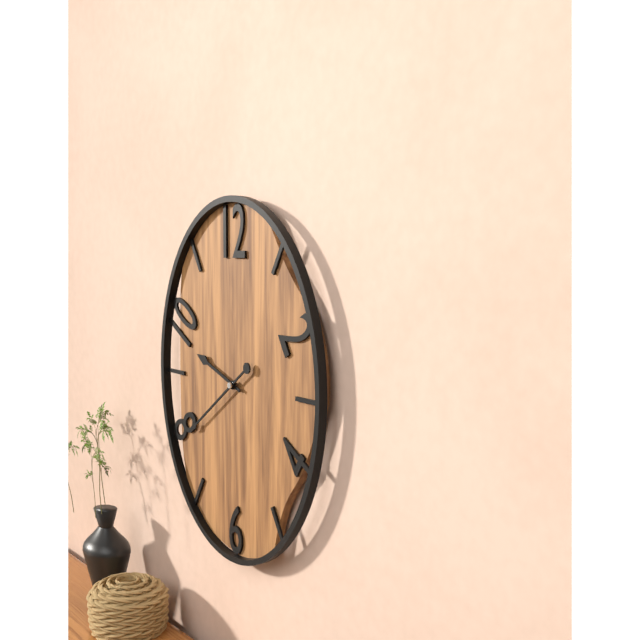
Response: **9:39**
